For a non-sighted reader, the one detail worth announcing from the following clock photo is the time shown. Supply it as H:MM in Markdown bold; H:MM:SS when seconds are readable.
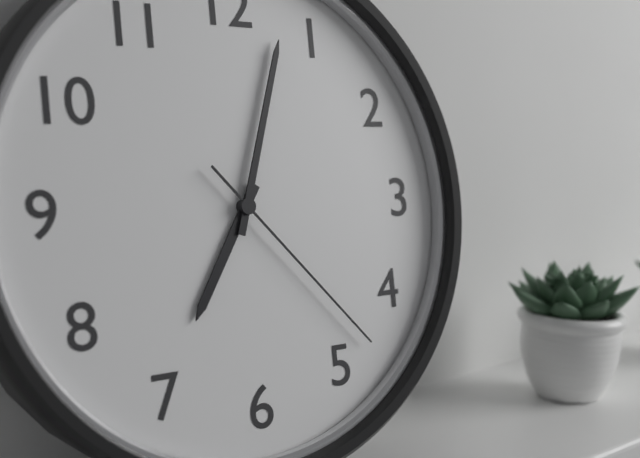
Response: **7:03:23**
